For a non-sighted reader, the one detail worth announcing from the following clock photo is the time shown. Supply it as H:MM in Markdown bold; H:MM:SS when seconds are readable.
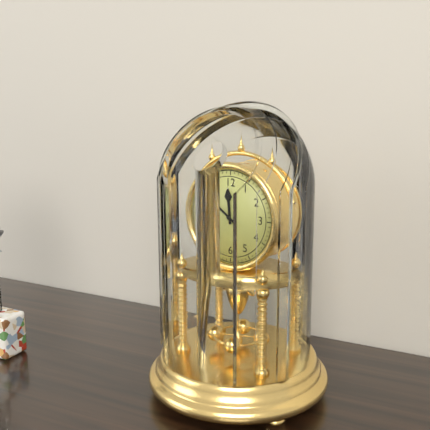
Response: **11:51**
